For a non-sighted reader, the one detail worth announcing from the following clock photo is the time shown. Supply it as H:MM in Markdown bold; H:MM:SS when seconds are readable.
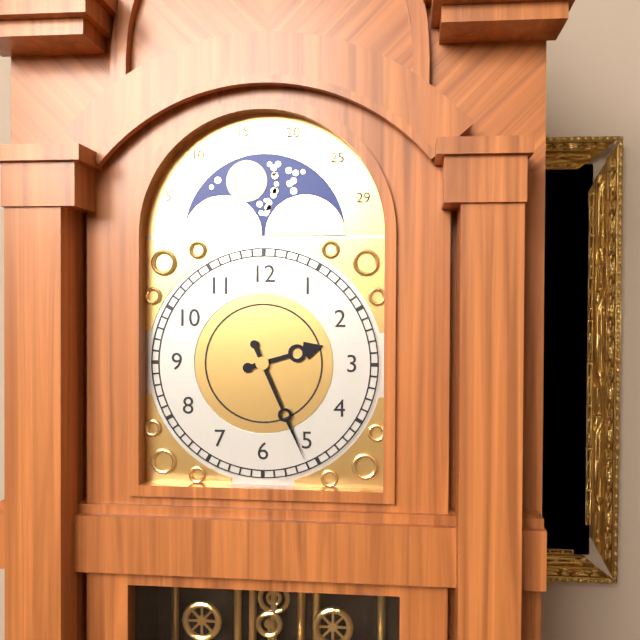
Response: **2:26**
